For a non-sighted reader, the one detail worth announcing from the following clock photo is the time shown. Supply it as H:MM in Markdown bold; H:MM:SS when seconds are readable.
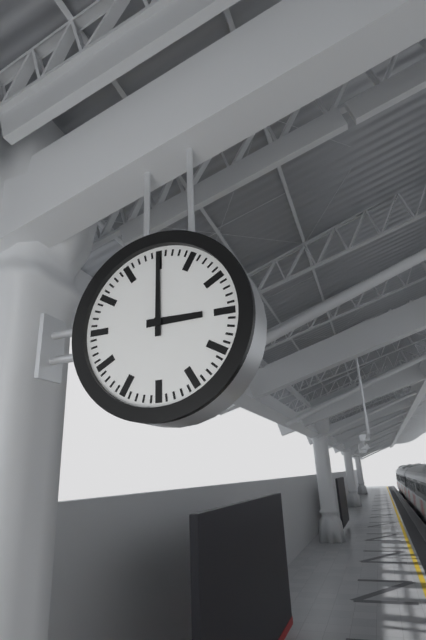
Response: **3:00**
